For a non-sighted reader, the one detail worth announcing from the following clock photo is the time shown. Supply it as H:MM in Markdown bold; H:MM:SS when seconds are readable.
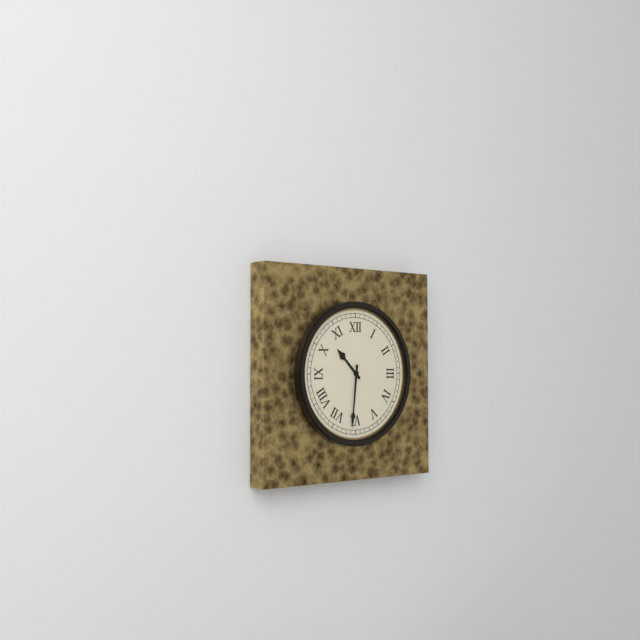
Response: **10:31**
